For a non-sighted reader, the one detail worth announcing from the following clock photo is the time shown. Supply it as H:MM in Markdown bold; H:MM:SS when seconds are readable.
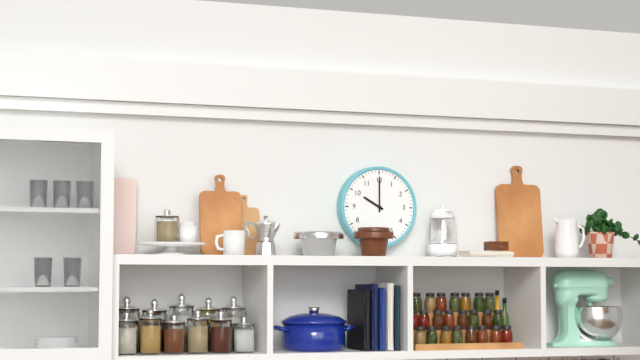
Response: **10:00**
